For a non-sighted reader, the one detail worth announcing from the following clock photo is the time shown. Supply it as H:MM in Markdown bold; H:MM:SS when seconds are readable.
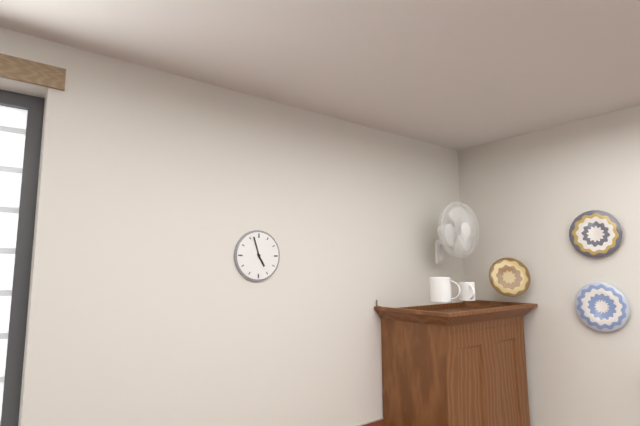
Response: **4:57**
